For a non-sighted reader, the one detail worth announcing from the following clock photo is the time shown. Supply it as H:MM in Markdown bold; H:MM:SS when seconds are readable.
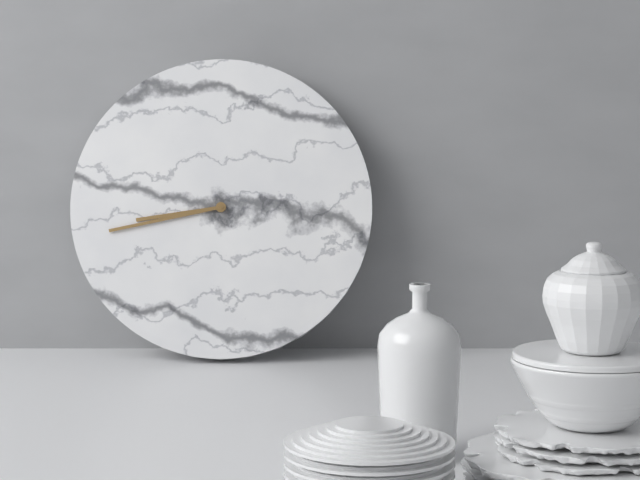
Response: **8:43**
